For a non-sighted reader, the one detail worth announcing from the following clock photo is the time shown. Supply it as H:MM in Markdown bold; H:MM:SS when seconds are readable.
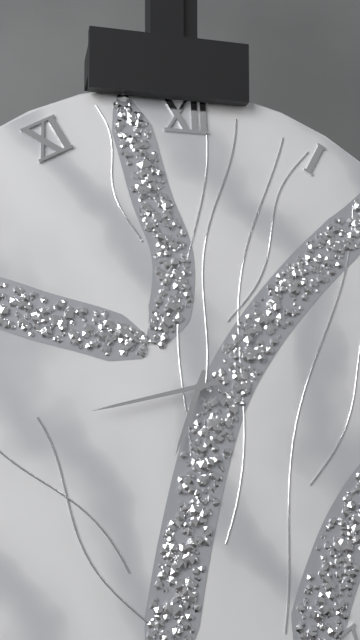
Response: **6:43**
